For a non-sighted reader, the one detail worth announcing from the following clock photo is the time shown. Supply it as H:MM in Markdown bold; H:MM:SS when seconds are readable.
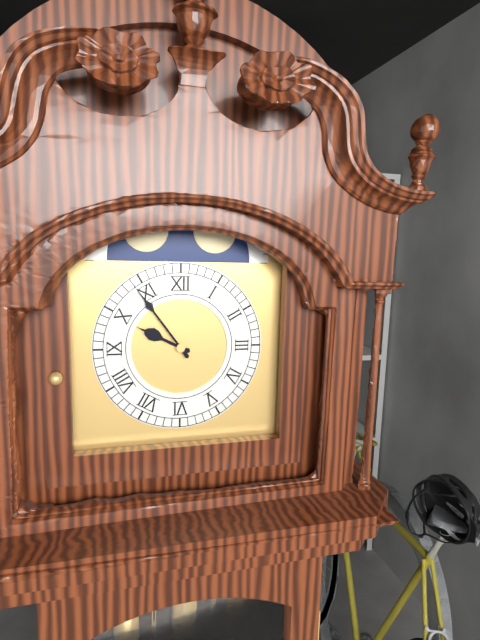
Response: **9:54**
